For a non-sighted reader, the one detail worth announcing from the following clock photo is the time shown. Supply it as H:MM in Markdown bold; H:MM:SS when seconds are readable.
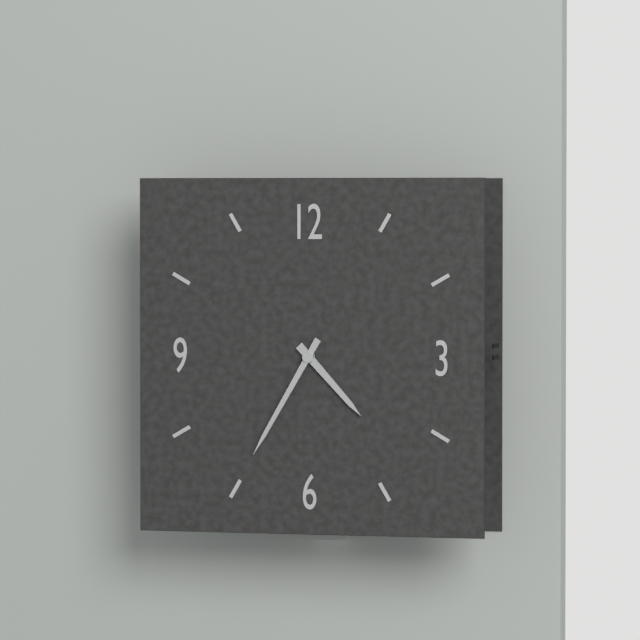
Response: **4:35**
